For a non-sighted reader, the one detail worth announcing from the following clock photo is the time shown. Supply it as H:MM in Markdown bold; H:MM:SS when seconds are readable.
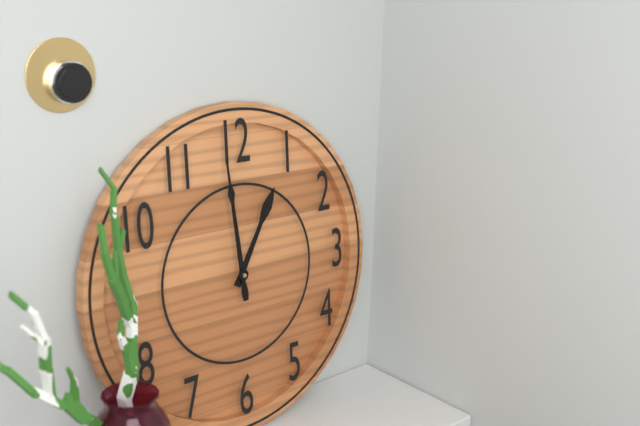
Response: **12:59**
